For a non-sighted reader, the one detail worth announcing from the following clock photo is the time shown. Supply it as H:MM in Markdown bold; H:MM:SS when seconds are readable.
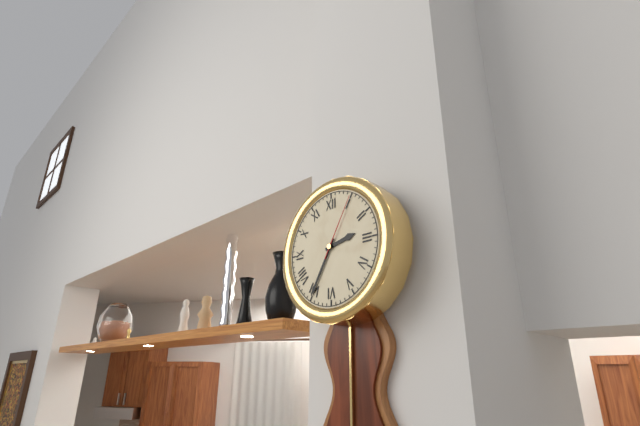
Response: **2:35:05**
